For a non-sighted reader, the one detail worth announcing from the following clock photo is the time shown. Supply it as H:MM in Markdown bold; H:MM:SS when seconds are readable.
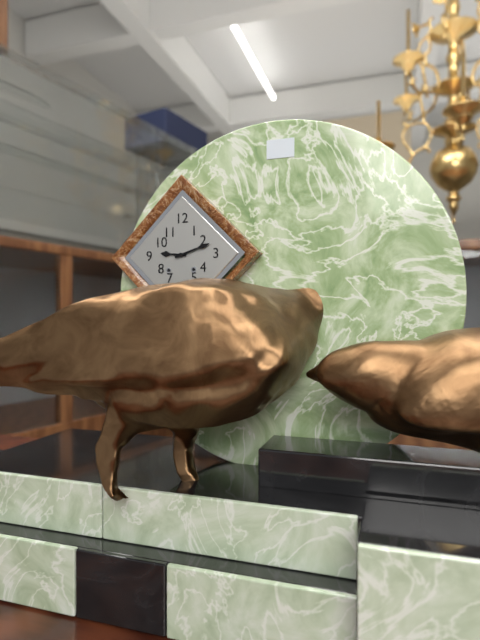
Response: **9:12**
